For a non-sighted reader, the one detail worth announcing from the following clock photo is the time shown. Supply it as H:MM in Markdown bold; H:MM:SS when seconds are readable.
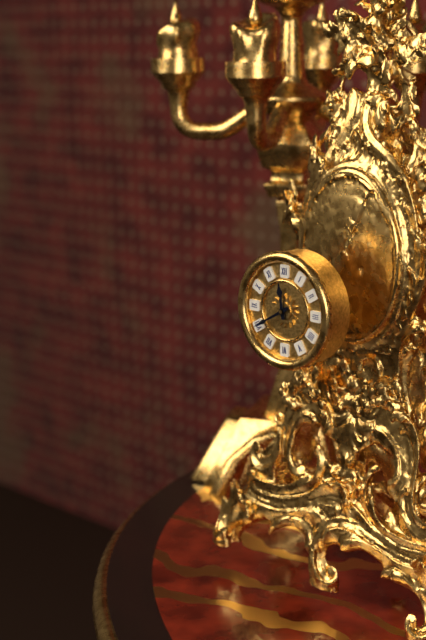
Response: **11:40**
